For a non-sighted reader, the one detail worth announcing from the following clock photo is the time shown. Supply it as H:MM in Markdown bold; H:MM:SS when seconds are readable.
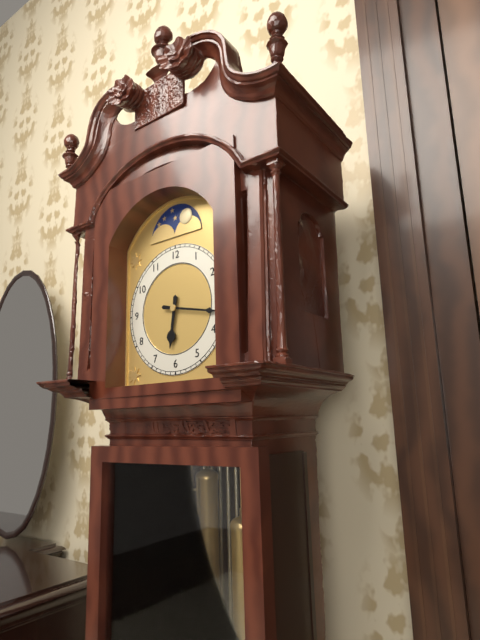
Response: **6:17**
